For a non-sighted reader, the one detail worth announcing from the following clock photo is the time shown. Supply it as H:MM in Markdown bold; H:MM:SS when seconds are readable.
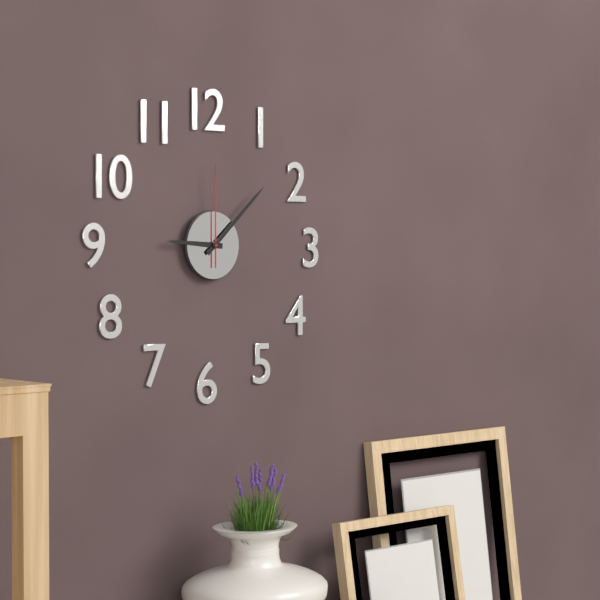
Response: **9:08:00**
